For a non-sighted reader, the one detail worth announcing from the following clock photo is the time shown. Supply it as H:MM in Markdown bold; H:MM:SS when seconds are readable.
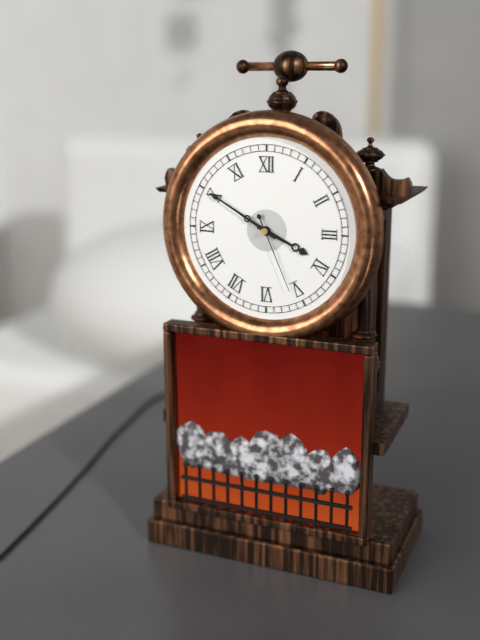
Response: **3:50:26**
